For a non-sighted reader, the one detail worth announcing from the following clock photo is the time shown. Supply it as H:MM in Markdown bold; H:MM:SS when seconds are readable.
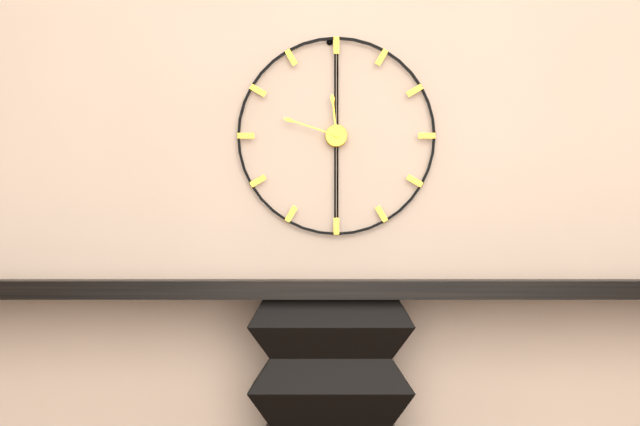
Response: **11:48**
